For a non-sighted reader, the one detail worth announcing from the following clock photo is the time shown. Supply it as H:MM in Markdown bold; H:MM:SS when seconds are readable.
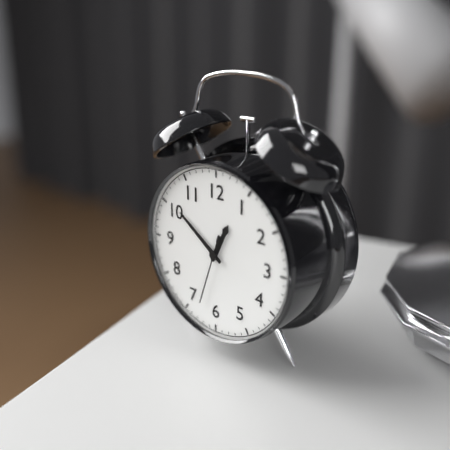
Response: **12:51:33**
